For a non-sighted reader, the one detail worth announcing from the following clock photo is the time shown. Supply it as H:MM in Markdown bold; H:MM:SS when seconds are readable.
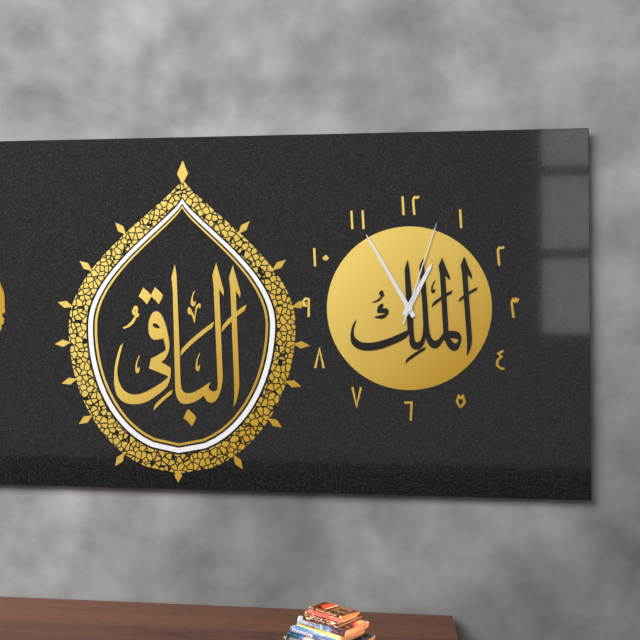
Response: **12:55:03**
